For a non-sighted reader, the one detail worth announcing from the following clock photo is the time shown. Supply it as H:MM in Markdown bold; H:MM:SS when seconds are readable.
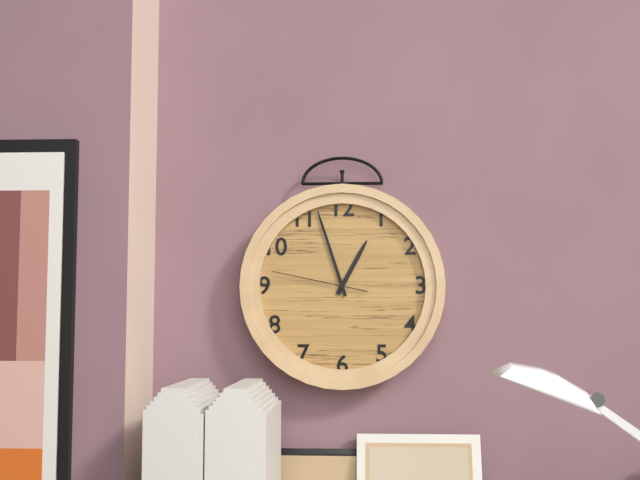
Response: **12:57:47**
